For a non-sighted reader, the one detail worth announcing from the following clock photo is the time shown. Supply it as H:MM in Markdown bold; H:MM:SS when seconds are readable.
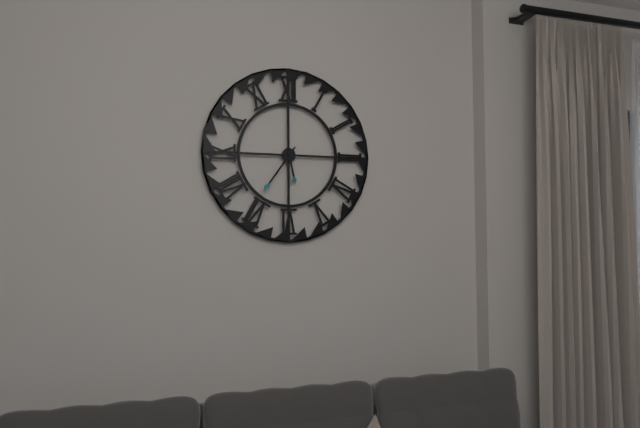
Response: **5:36**
